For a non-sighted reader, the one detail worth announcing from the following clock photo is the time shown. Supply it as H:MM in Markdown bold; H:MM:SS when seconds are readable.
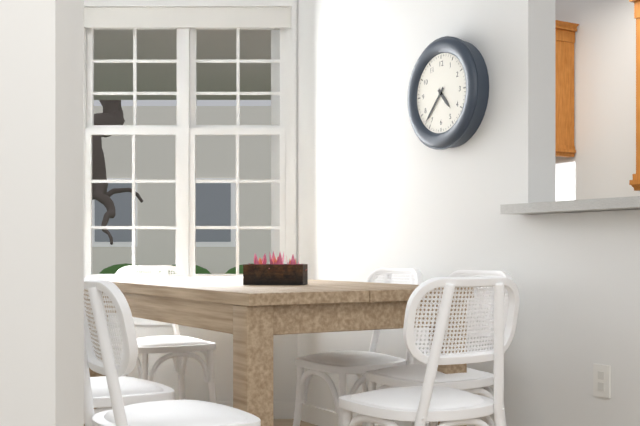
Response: **4:37**
